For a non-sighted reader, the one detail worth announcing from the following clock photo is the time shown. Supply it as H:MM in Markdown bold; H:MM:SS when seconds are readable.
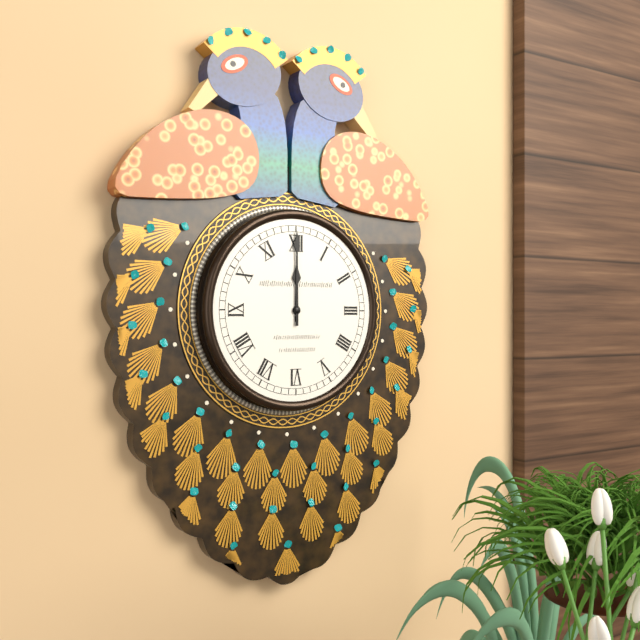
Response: **12:00**
